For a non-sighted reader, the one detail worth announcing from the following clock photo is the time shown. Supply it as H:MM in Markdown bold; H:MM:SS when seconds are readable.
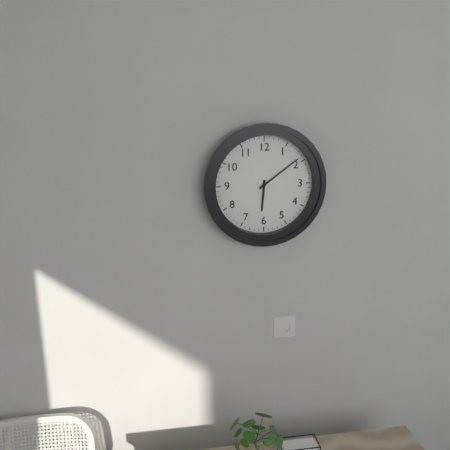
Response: **6:09**
